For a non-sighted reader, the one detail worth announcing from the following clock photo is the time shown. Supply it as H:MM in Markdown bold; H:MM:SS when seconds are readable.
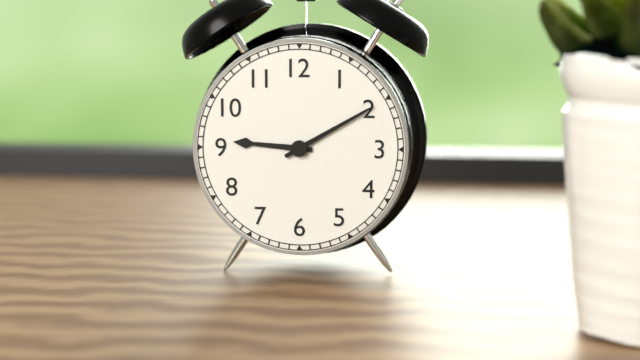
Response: **9:10**
